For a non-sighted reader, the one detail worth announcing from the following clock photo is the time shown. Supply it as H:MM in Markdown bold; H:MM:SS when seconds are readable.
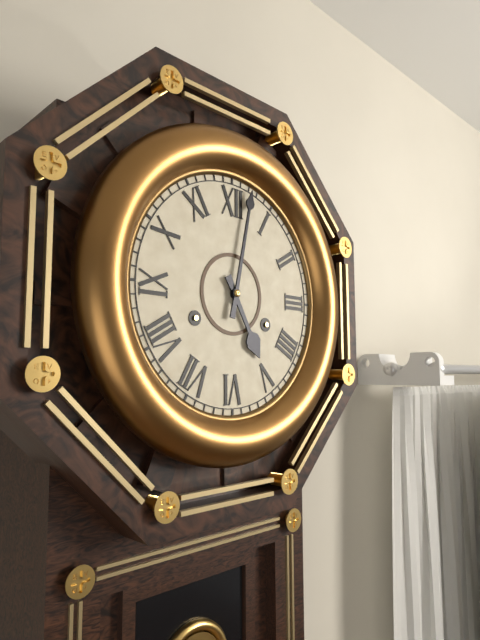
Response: **5:02**
